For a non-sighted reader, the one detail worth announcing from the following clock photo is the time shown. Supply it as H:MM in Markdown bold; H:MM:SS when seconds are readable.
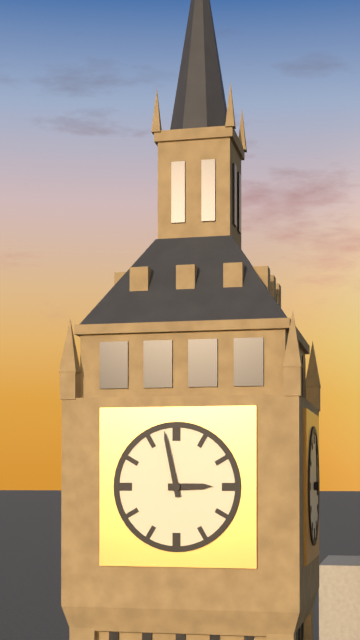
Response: **2:58**
